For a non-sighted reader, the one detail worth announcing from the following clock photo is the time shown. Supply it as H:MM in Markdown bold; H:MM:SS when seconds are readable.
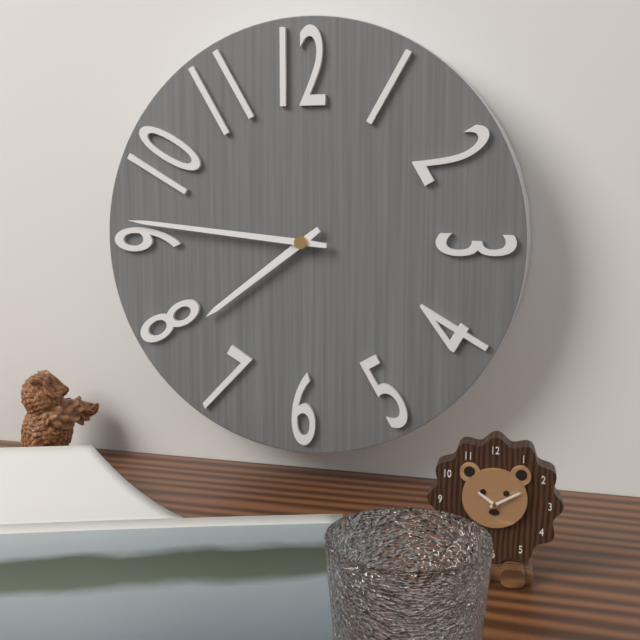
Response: **7:46**
